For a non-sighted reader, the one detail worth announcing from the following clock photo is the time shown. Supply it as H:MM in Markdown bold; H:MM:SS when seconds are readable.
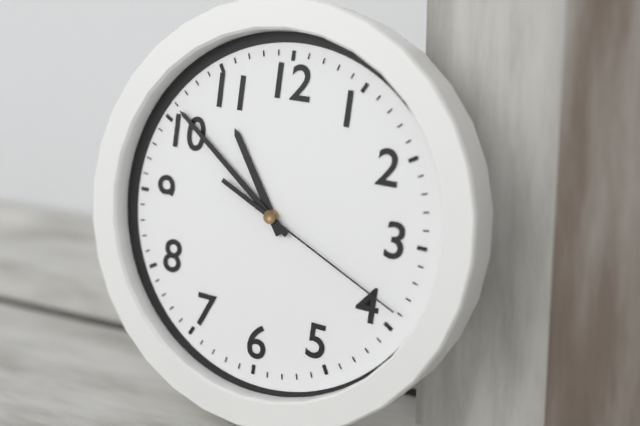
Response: **10:51:19**
